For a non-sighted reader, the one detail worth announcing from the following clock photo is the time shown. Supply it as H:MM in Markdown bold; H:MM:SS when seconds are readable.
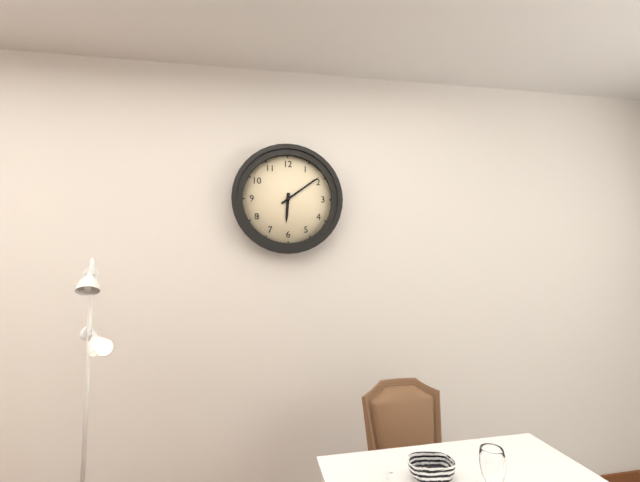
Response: **6:09**
